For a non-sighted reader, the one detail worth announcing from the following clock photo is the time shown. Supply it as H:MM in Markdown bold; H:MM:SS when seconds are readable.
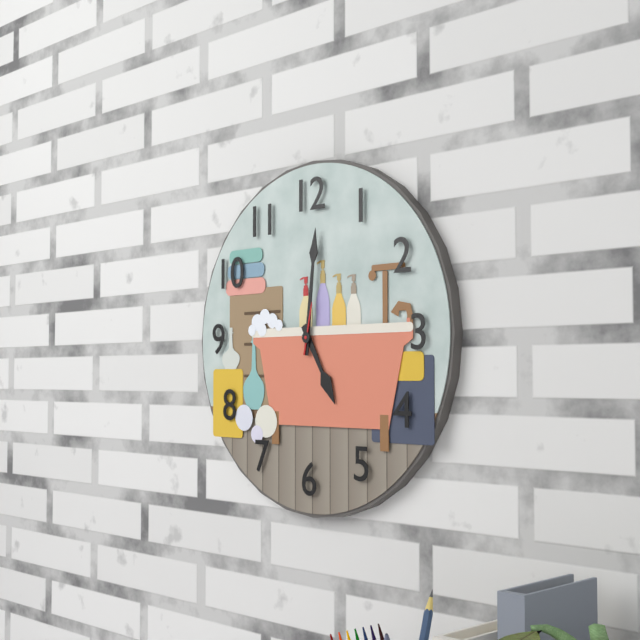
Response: **5:01**
